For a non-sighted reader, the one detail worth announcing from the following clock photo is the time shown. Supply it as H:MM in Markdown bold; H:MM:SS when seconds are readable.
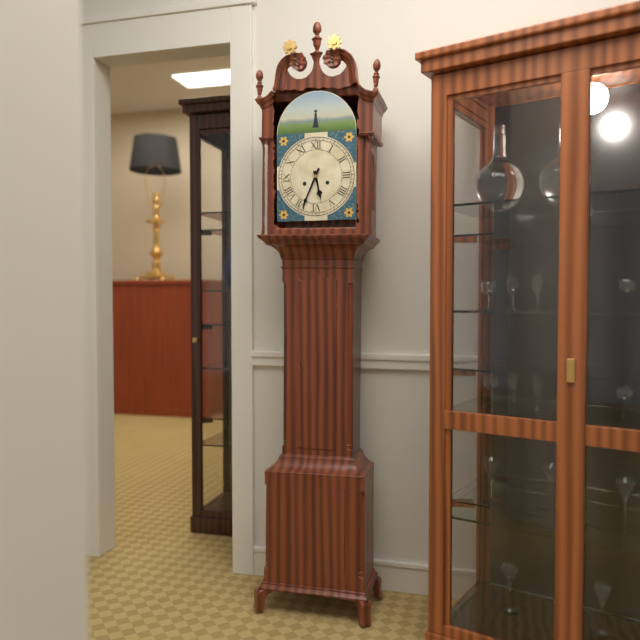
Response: **5:34**
